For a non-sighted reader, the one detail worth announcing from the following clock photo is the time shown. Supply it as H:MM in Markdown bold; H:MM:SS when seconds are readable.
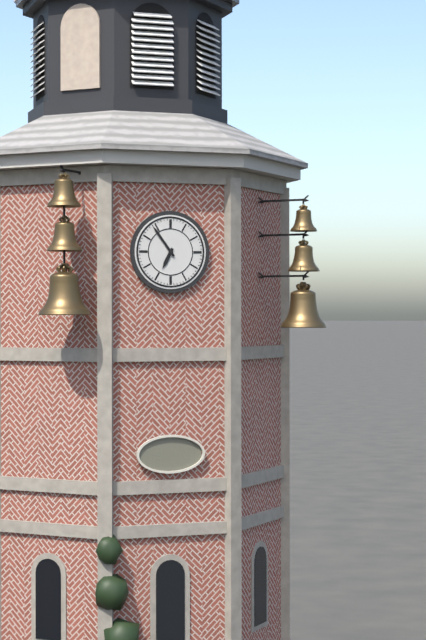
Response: **6:54**
